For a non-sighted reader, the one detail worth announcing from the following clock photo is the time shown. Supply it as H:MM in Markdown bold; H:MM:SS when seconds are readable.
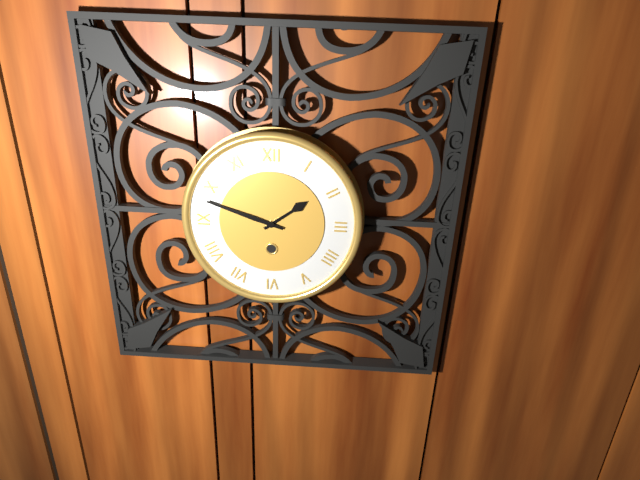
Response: **1:48**
